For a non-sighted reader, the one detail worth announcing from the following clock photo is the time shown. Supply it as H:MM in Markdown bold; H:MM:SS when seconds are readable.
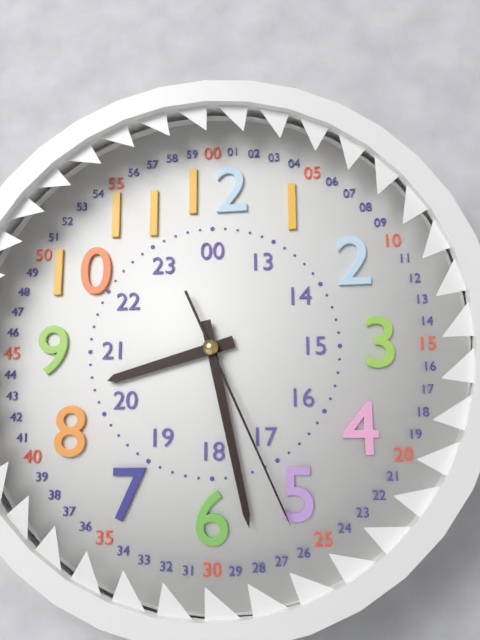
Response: **8:28:26**
